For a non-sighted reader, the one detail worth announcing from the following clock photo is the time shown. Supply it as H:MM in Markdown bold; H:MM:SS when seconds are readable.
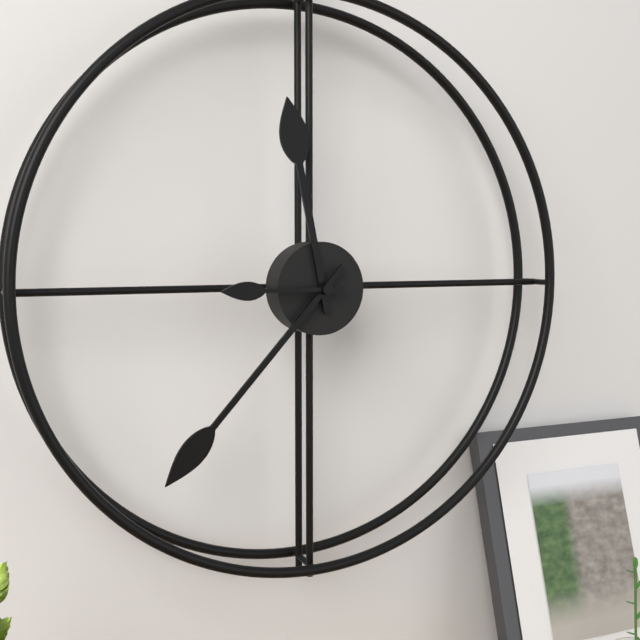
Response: **11:37:45**
